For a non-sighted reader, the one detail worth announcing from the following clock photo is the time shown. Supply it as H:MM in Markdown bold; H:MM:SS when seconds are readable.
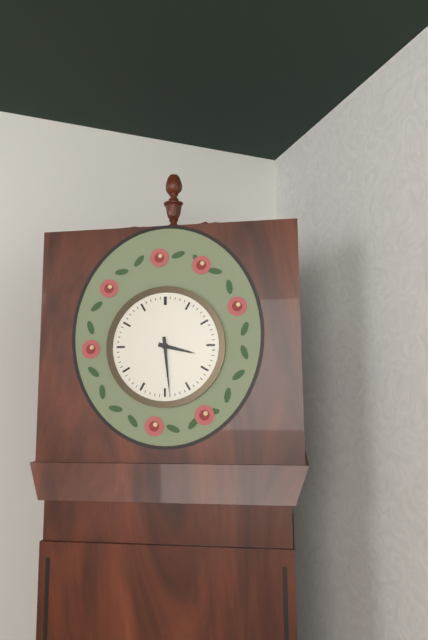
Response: **3:29**
